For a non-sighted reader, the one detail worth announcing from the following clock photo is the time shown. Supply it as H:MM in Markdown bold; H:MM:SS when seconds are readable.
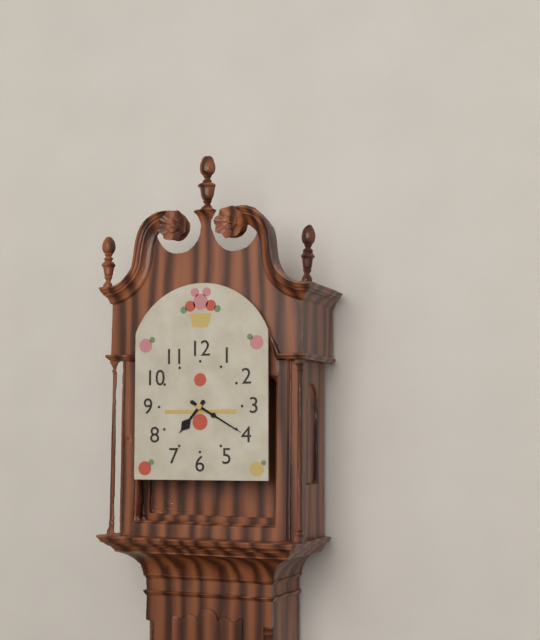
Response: **7:20**
